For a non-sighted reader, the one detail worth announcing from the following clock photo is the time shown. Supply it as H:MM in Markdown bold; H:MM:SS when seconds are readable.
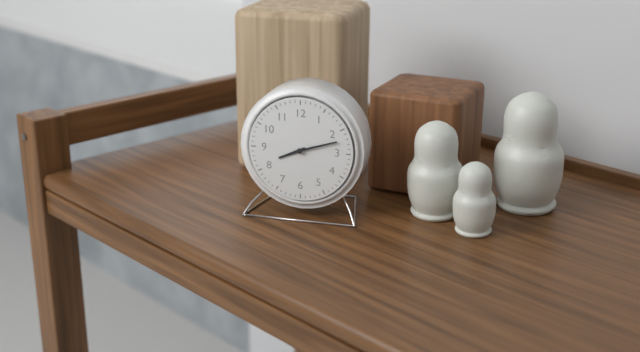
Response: **8:12**
